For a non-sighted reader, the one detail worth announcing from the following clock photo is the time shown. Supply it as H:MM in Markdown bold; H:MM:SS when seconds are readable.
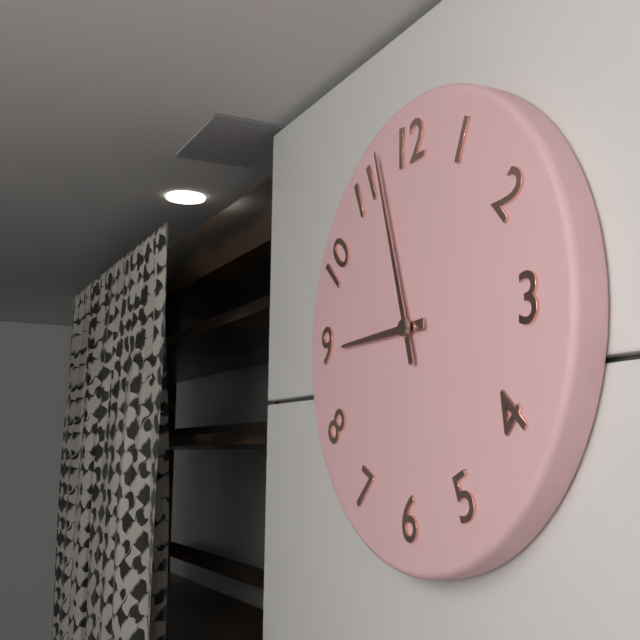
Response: **8:57**
